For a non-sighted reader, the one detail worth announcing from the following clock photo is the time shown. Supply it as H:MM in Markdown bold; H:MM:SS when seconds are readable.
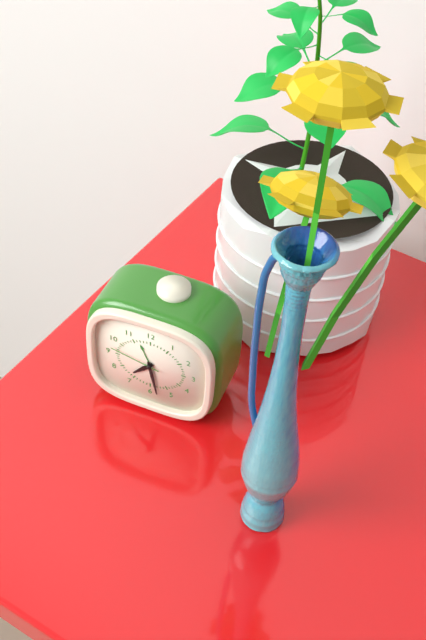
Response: **7:28:47**
